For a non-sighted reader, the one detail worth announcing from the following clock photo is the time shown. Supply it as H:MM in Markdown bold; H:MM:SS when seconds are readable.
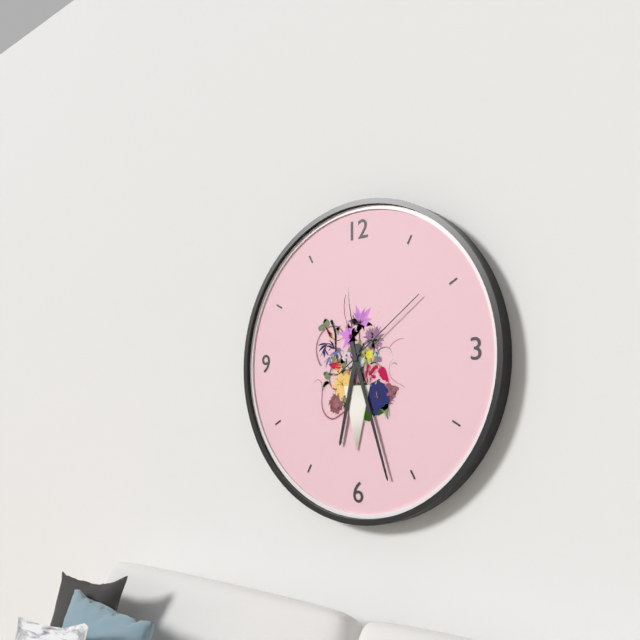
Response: **6:27:09**
